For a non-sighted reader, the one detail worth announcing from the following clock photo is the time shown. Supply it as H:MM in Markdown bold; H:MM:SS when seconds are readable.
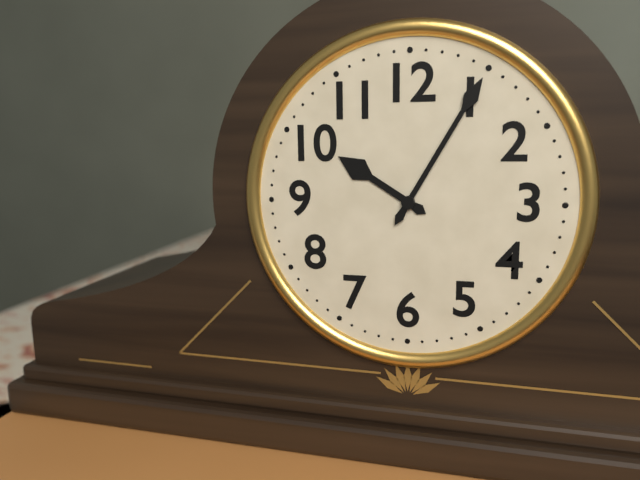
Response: **10:05**
